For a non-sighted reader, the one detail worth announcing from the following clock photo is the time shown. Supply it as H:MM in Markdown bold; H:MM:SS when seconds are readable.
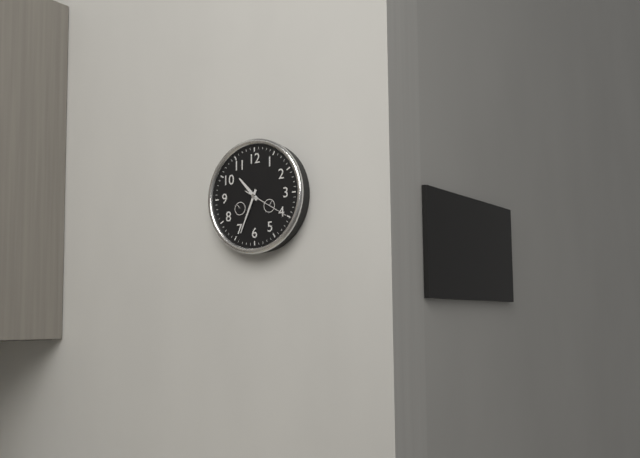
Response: **10:34**
